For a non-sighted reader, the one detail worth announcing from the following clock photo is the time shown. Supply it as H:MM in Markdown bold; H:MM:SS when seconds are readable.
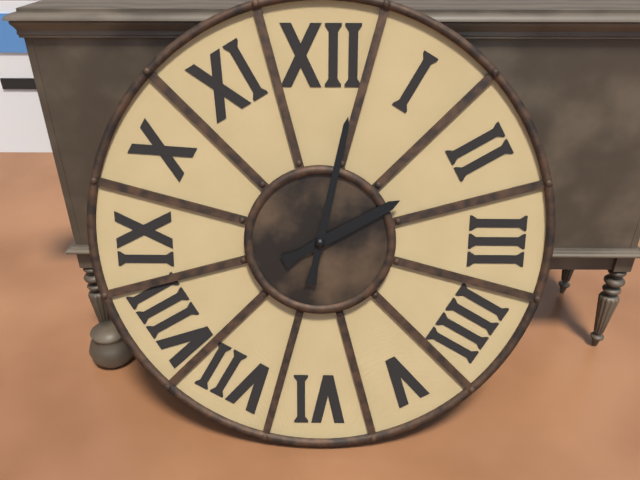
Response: **2:02**
